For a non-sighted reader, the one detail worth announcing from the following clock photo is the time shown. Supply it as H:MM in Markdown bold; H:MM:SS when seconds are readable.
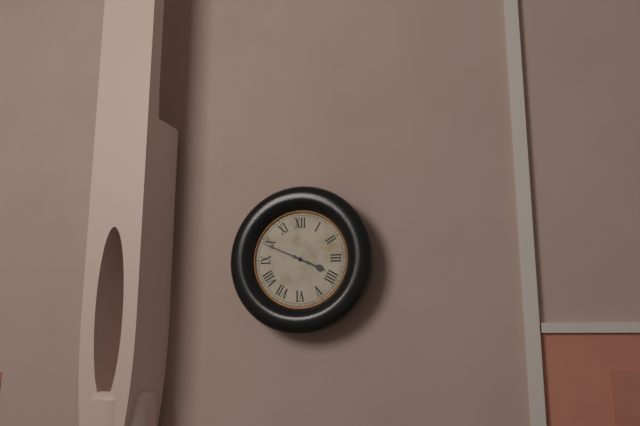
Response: **3:49**
